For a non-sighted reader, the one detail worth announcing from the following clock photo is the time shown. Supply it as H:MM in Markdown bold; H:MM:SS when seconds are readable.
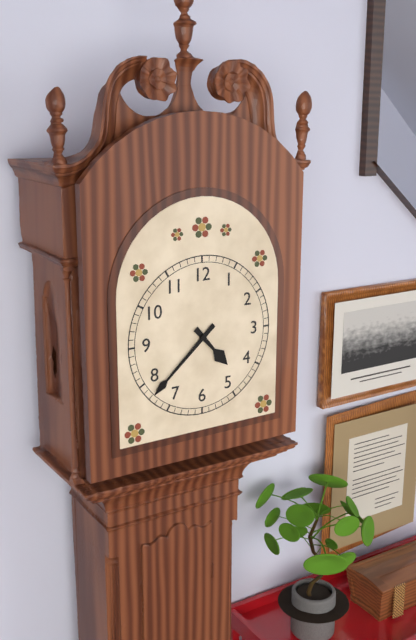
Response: **4:38**
